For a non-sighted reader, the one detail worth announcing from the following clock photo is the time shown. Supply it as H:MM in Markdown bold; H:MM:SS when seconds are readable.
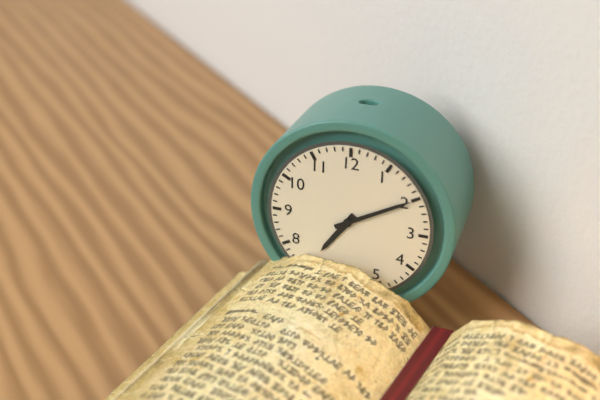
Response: **7:10**
